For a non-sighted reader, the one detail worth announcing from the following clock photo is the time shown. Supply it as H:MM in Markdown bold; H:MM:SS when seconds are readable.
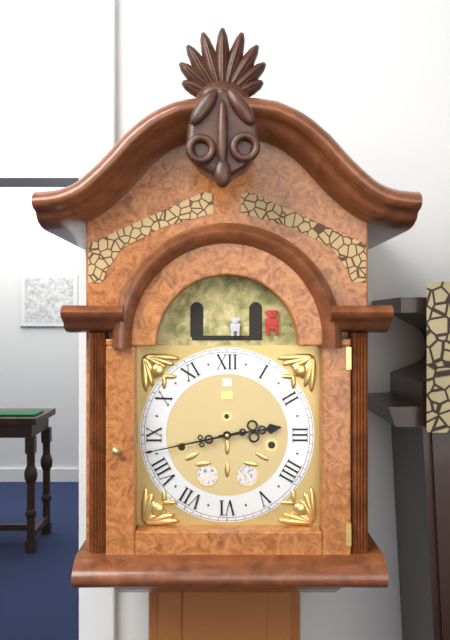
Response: **2:43**
